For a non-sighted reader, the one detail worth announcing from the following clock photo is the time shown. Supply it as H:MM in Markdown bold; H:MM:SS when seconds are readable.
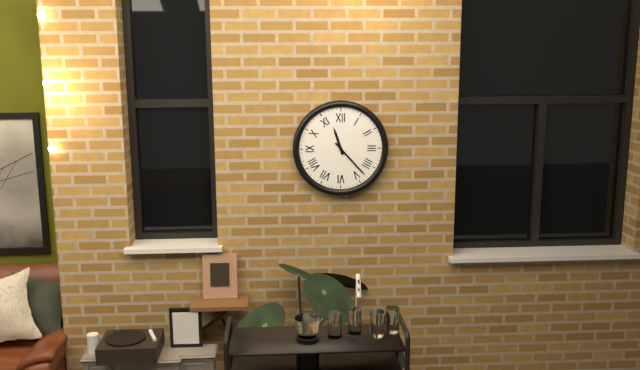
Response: **11:23**
